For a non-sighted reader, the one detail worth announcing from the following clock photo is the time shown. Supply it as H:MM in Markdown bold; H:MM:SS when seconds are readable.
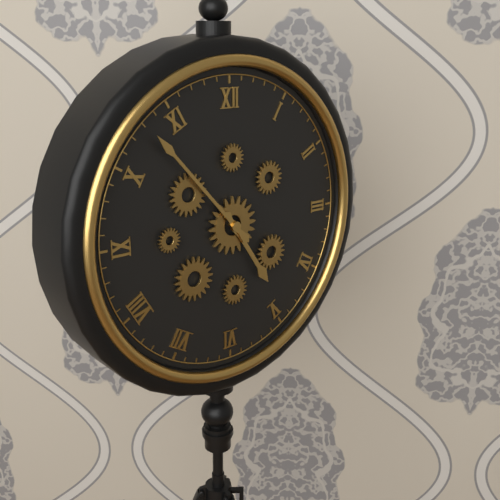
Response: **4:53**
